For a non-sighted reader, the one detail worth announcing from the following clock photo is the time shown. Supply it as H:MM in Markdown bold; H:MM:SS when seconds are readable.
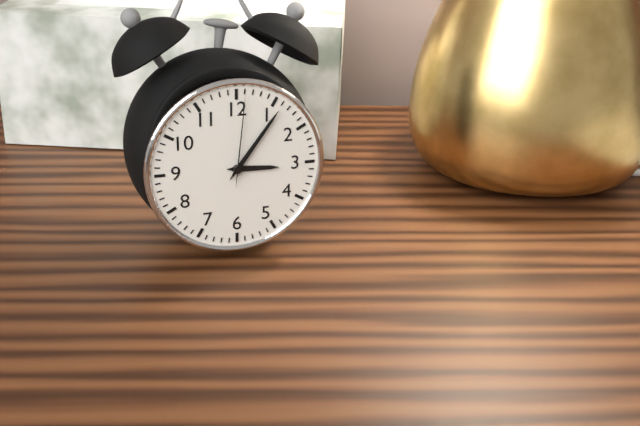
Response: **3:06:01**
